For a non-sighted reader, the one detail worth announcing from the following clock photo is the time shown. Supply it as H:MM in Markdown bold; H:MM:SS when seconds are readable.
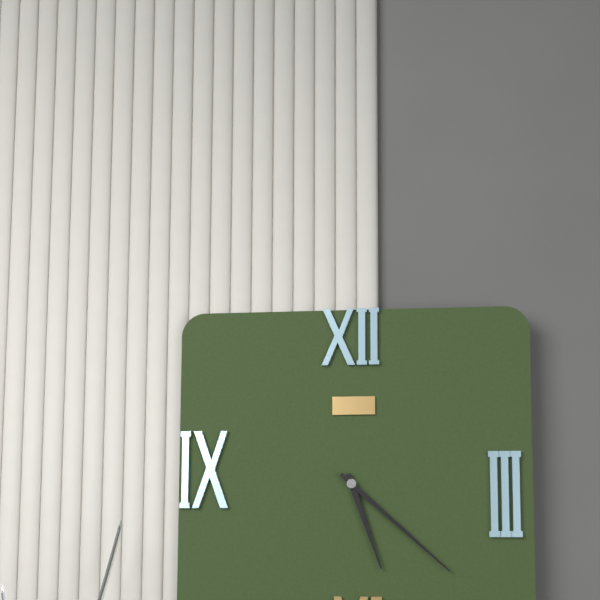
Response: **5:22**
